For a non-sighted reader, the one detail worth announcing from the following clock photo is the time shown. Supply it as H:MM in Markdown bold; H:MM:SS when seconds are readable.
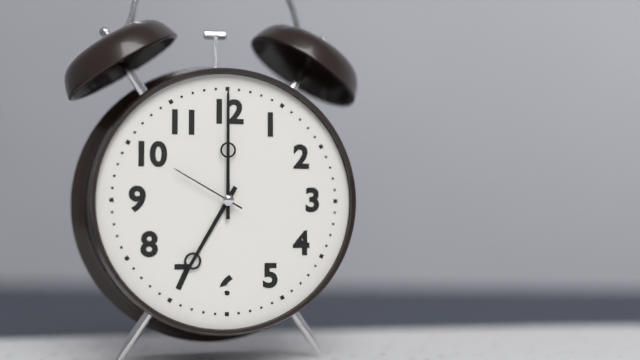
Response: **7:00:50**
